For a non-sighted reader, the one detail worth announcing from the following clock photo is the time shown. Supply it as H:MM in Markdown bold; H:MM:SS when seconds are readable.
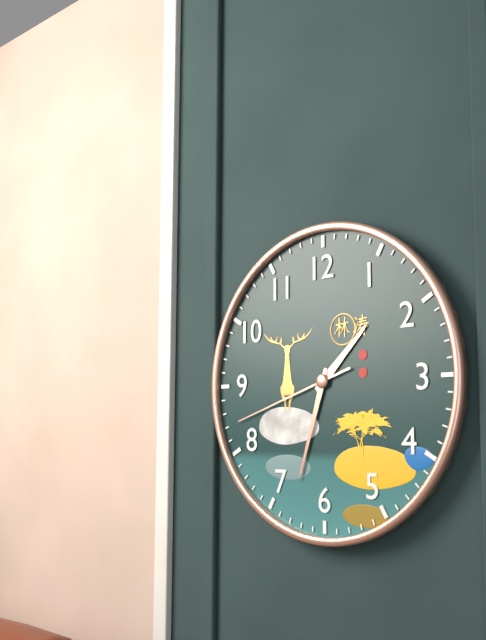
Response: **1:33:42**
